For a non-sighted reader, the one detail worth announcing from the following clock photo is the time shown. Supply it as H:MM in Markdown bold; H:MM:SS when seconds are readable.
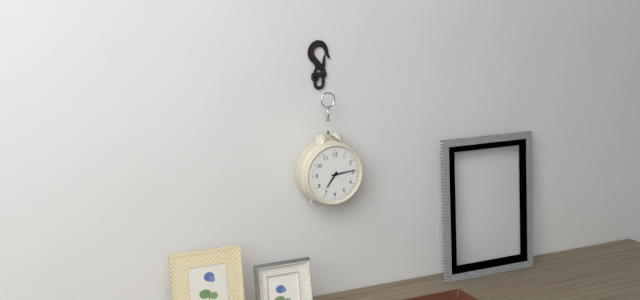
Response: **7:14**
